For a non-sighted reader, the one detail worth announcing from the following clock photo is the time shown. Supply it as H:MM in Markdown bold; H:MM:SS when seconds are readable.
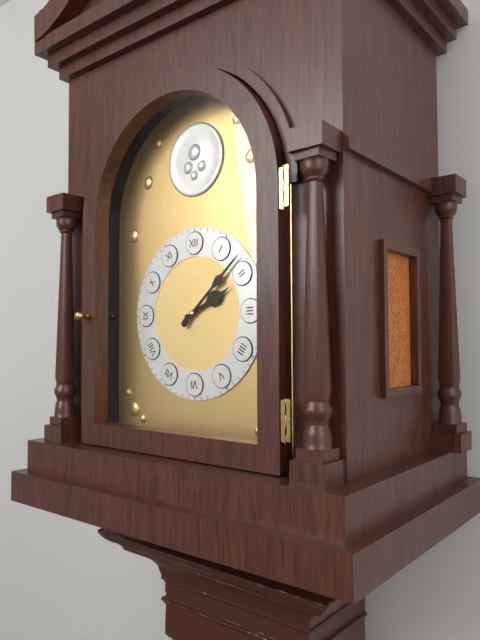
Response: **2:08**
